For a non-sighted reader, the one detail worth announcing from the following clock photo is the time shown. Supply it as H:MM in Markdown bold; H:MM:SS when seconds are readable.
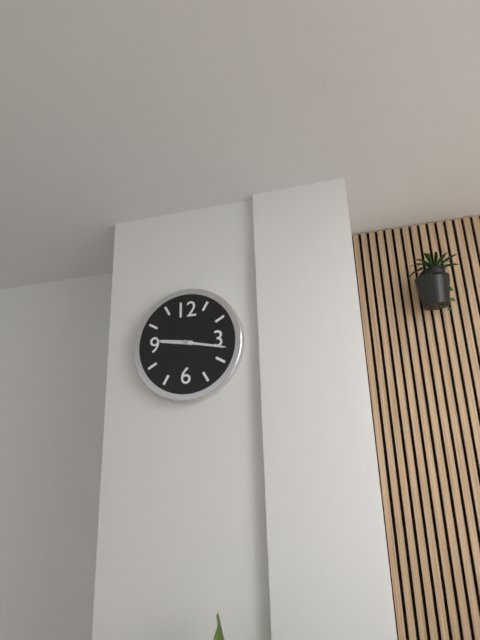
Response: **9:17**
